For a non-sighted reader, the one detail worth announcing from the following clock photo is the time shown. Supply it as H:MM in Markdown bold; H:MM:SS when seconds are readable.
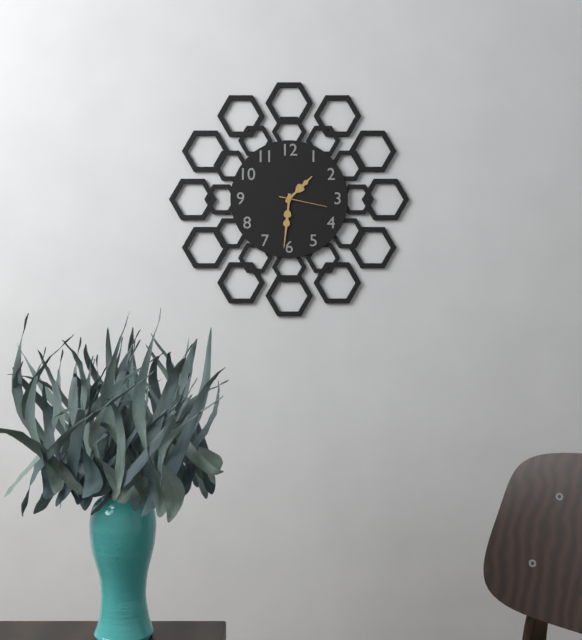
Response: **1:31**
